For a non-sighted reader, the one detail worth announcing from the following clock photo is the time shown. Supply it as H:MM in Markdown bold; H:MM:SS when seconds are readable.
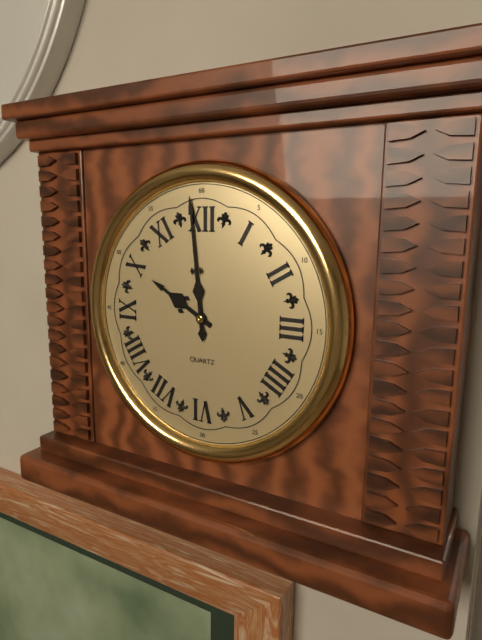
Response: **9:59**
